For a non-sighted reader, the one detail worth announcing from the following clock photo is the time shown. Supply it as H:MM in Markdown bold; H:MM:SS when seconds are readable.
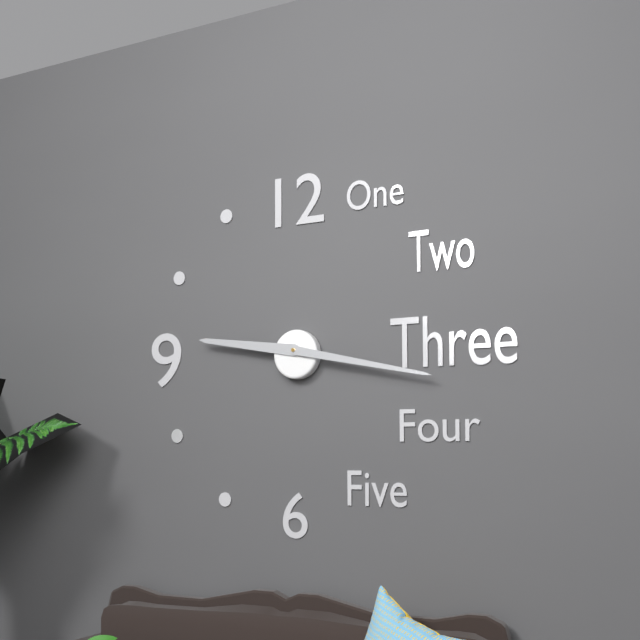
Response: **9:17**
